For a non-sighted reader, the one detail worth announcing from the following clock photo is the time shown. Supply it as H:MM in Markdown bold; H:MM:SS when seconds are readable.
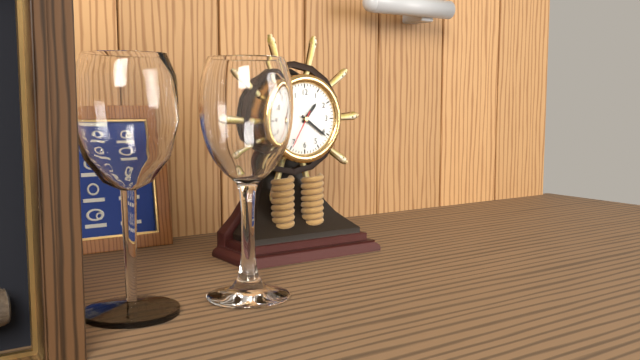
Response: **1:21**
